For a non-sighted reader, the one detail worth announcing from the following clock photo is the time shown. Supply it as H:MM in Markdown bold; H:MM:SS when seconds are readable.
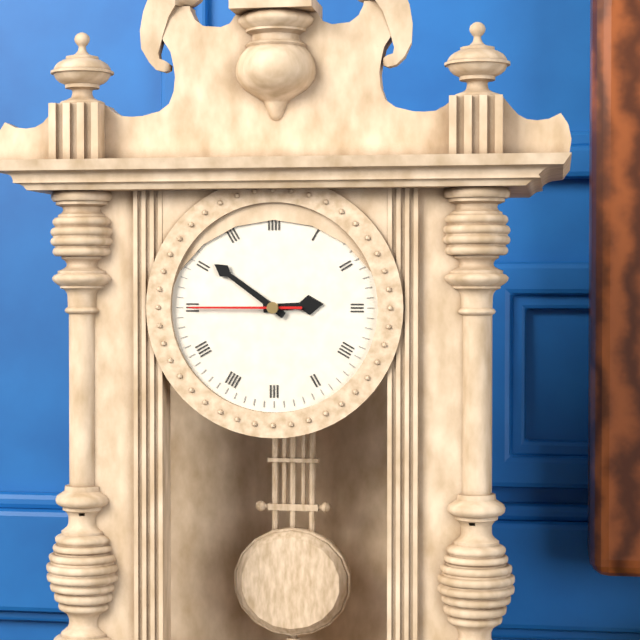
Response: **2:51:45**
